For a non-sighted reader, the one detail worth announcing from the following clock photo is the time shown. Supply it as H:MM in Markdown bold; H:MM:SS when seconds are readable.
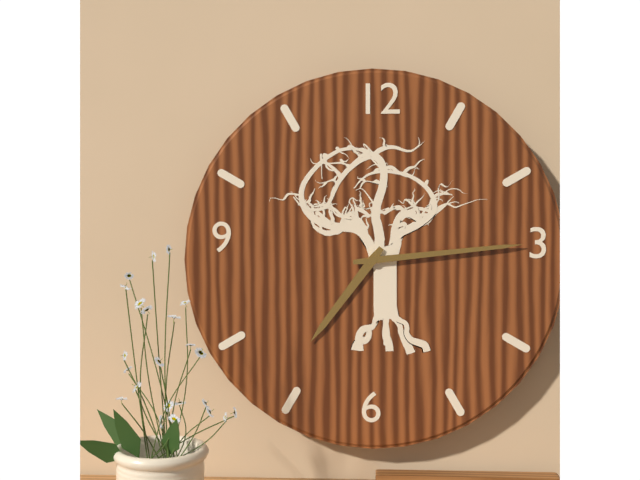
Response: **7:14**
